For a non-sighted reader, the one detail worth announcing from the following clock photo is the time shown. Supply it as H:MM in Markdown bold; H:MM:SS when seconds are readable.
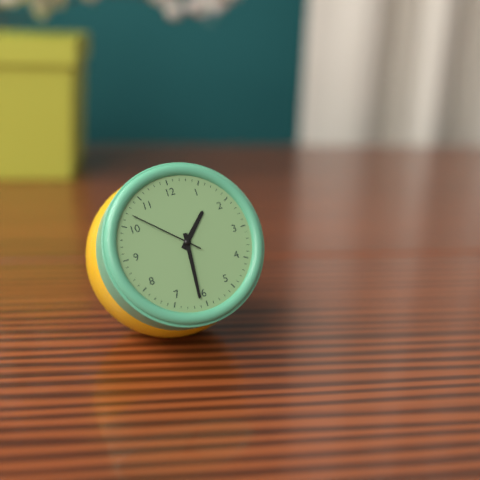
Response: **1:31:52**
